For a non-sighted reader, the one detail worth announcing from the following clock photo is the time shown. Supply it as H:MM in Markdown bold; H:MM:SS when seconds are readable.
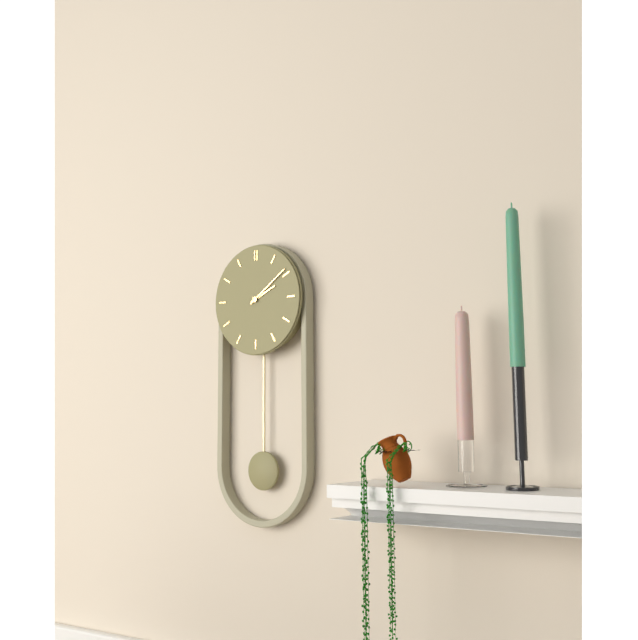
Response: **2:09**
